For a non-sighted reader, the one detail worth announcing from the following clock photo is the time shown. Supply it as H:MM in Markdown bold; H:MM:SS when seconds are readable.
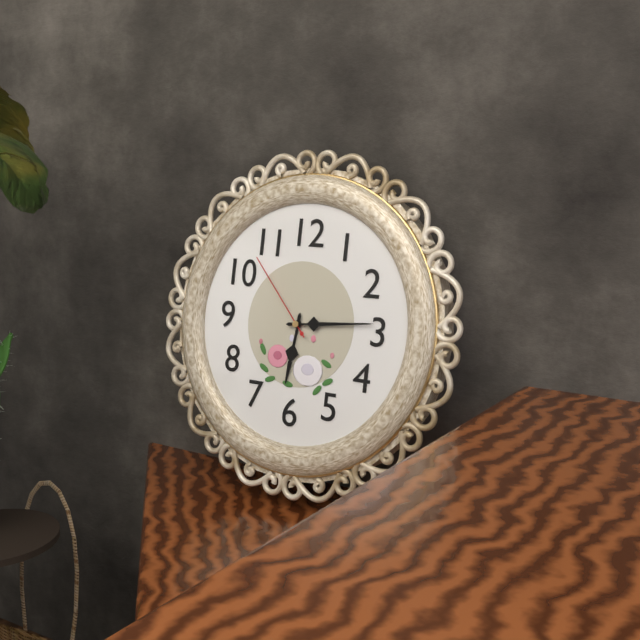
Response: **6:14:53**
